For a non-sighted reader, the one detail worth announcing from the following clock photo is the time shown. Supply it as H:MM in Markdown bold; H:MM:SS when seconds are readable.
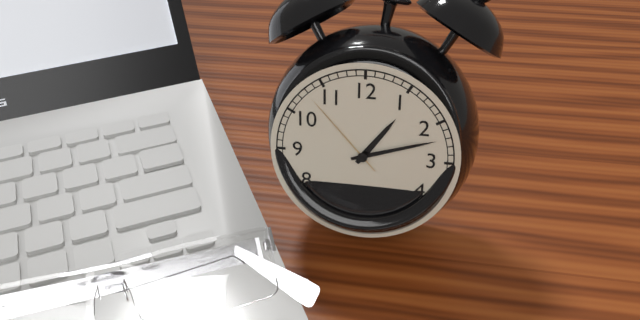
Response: **1:12:53**
